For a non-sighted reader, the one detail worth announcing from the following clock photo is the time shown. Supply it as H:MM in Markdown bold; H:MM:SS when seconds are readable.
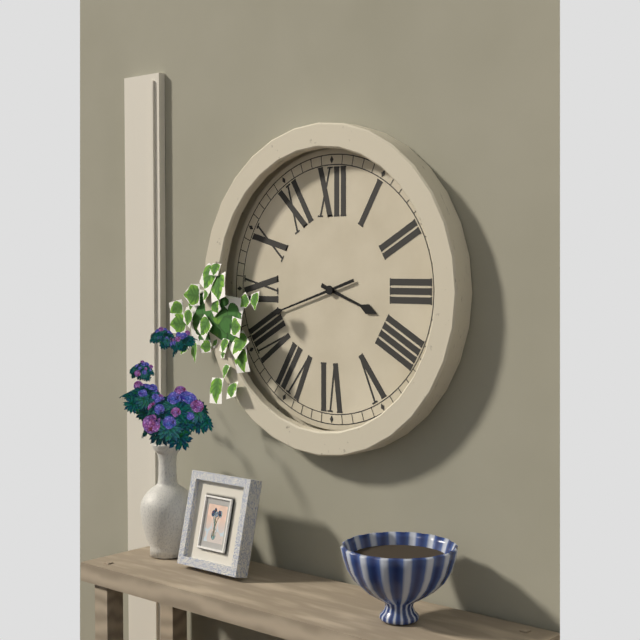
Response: **3:42**
